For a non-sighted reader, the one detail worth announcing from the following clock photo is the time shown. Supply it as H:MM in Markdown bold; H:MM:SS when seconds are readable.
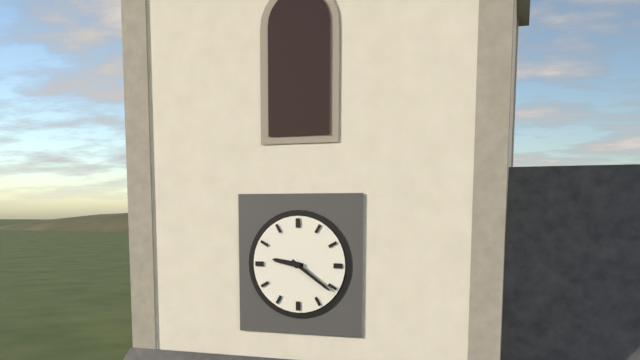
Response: **9:21**
